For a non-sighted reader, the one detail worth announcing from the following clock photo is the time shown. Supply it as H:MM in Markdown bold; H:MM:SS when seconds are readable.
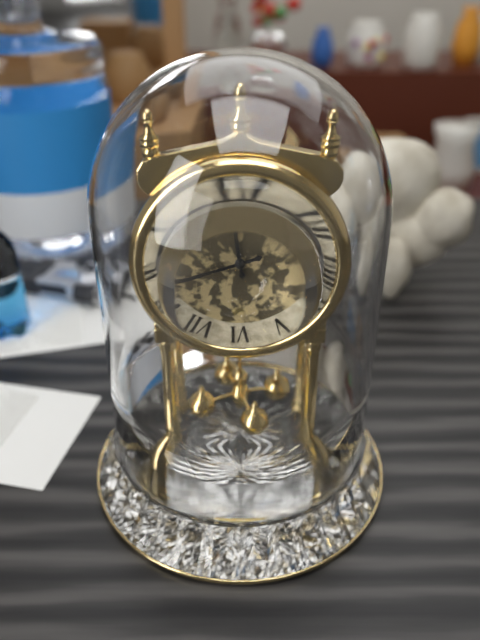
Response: **11:42**
